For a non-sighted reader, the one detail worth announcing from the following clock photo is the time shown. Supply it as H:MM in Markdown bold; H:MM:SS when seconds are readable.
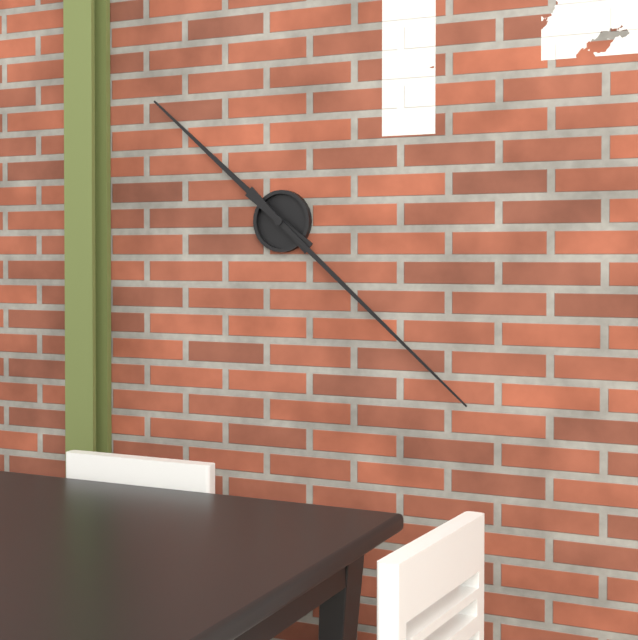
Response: **10:22**
